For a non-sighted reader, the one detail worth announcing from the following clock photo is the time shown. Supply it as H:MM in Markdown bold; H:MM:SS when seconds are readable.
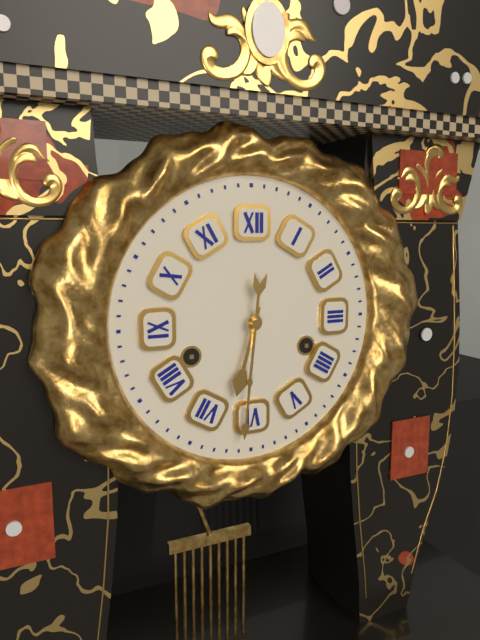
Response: **6:31**
